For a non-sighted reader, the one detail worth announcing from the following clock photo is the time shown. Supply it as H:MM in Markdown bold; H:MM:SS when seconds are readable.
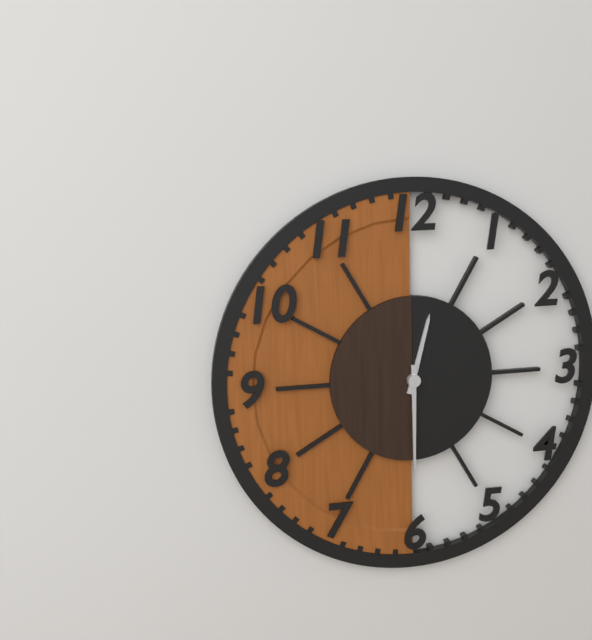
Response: **12:30**
